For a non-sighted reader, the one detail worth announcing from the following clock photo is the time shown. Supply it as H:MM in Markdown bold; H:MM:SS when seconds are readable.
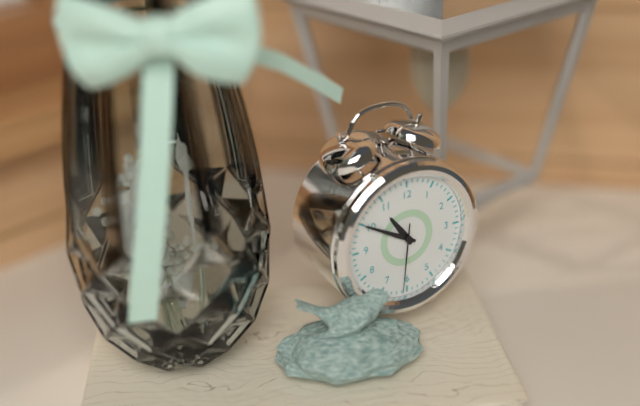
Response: **10:50:31**
